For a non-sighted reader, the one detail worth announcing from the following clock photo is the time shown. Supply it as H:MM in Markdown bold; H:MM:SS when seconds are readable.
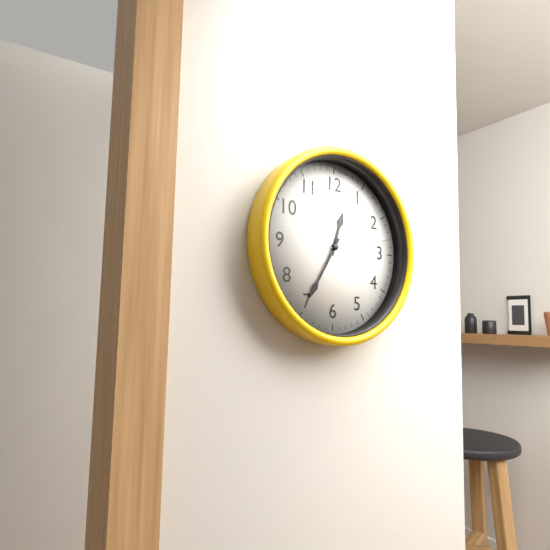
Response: **12:35:13**
